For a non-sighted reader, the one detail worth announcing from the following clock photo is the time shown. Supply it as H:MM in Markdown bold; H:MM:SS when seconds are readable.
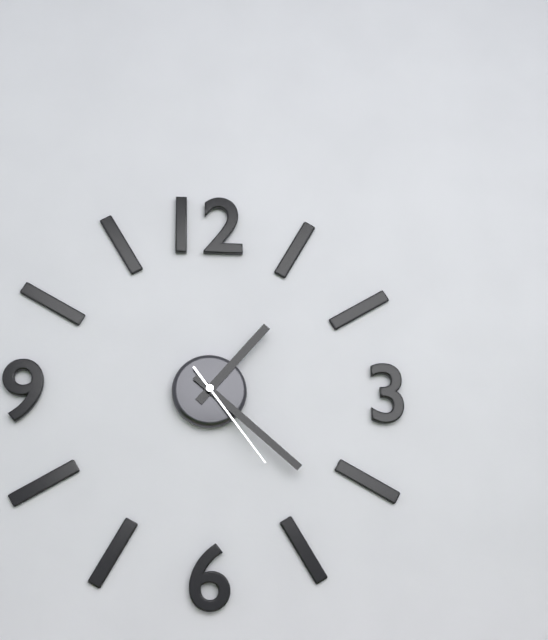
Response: **1:22:24**
